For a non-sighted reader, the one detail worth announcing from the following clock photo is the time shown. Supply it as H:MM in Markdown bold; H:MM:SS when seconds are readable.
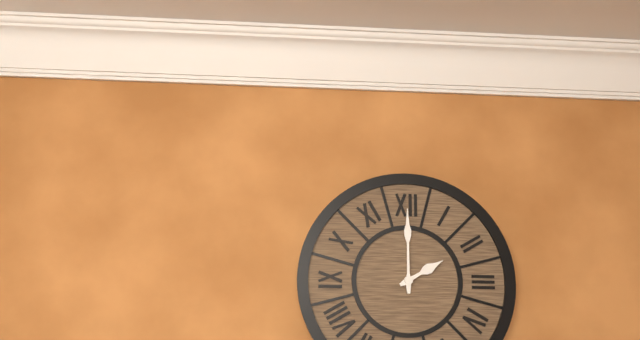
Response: **2:00**
